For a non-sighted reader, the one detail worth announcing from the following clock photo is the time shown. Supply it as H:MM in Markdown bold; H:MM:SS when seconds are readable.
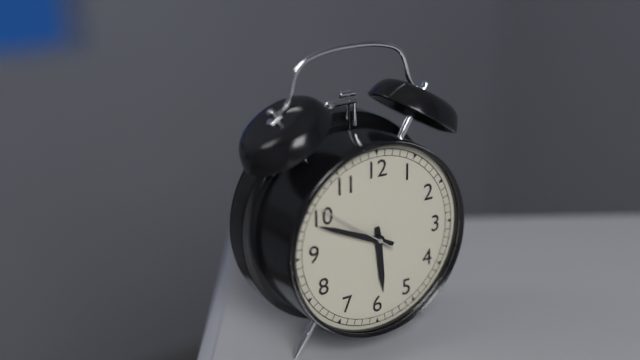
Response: **5:49:51**
